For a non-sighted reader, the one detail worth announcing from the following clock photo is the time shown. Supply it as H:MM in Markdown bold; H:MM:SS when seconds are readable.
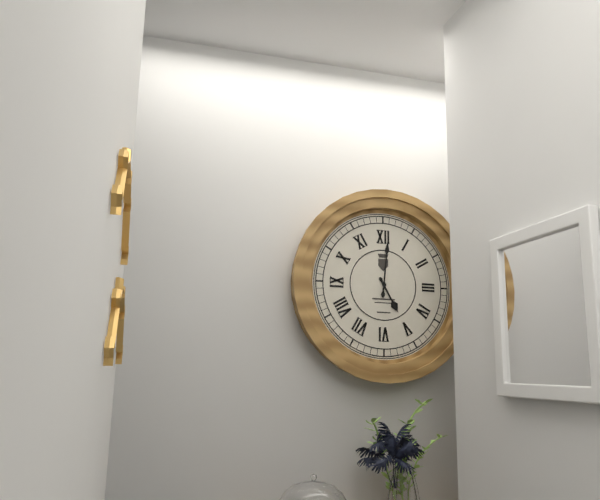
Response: **5:01**
